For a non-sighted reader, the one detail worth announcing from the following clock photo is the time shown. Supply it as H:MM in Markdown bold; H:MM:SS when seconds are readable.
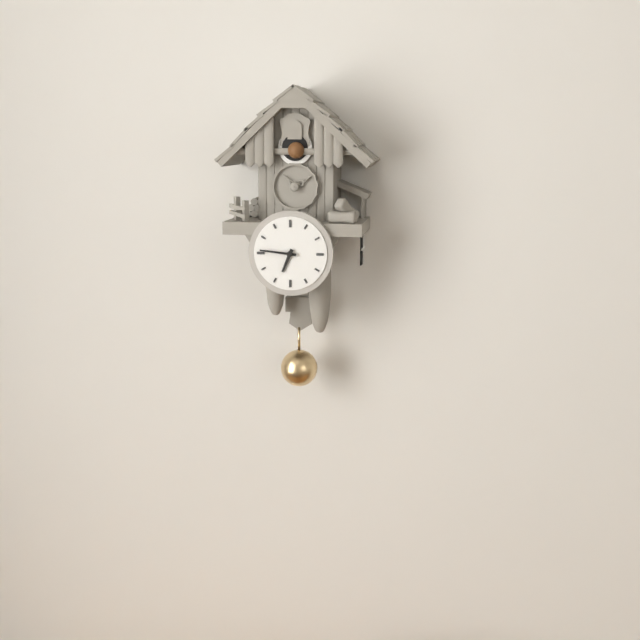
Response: **6:46**
